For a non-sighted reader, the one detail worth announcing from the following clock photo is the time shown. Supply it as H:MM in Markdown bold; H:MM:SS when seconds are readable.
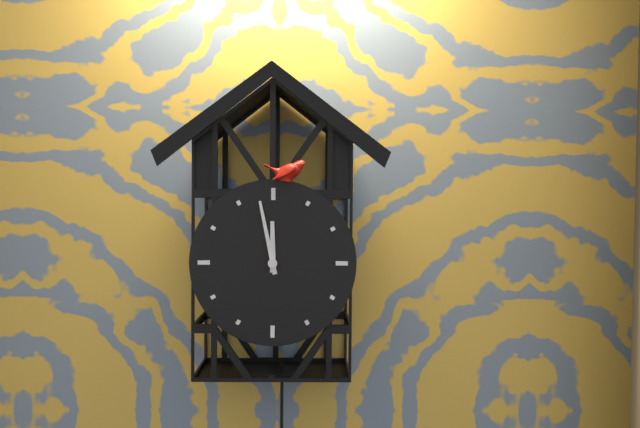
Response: **11:58**
